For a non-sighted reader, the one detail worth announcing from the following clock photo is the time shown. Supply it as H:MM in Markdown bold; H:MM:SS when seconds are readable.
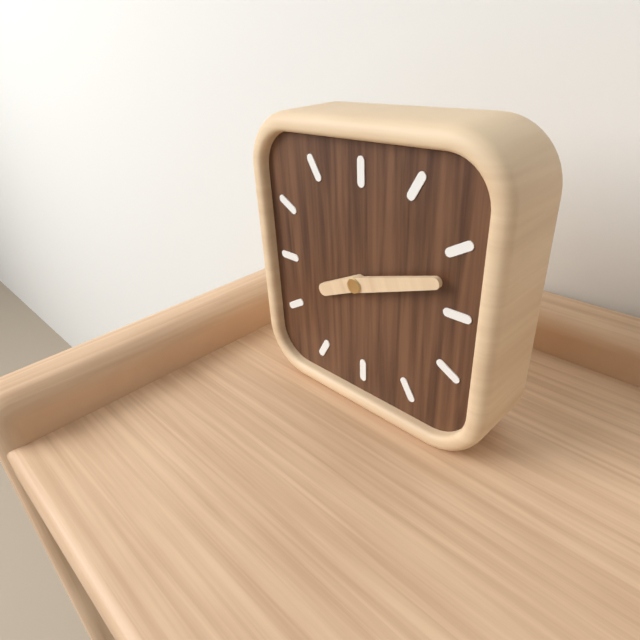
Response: **8:12**
